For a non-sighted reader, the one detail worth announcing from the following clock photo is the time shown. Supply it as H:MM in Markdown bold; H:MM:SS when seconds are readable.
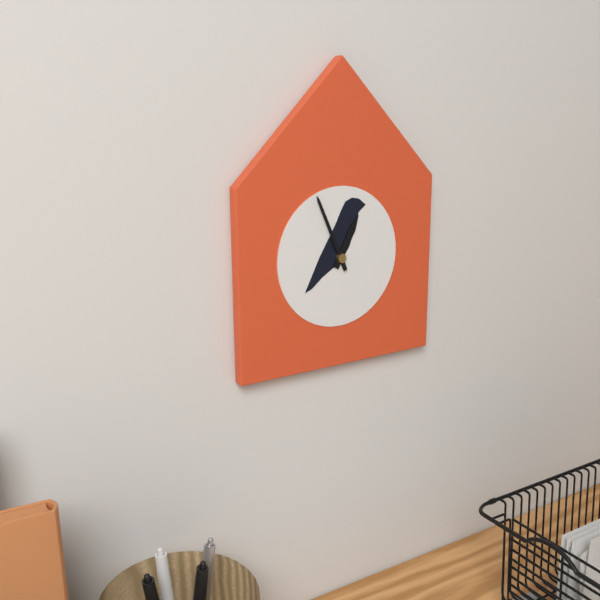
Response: **12:56**
